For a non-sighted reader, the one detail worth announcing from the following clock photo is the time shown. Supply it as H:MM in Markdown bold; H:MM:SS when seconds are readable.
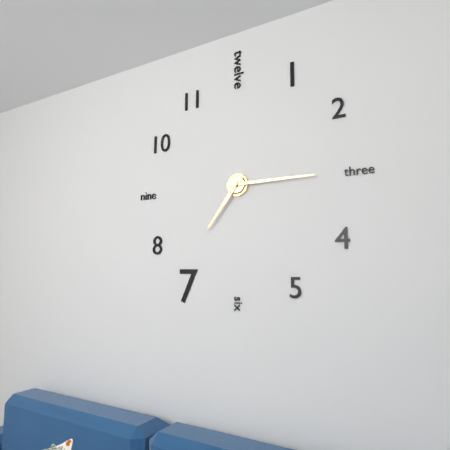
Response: **7:15**
